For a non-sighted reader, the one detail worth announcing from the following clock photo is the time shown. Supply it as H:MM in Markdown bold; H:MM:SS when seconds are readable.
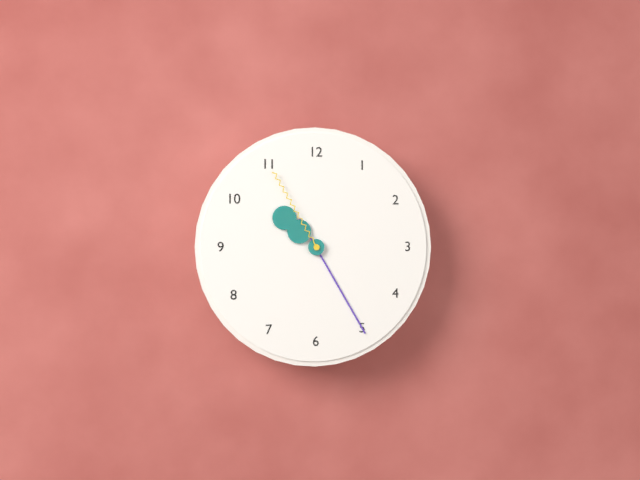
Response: **10:25:55**
